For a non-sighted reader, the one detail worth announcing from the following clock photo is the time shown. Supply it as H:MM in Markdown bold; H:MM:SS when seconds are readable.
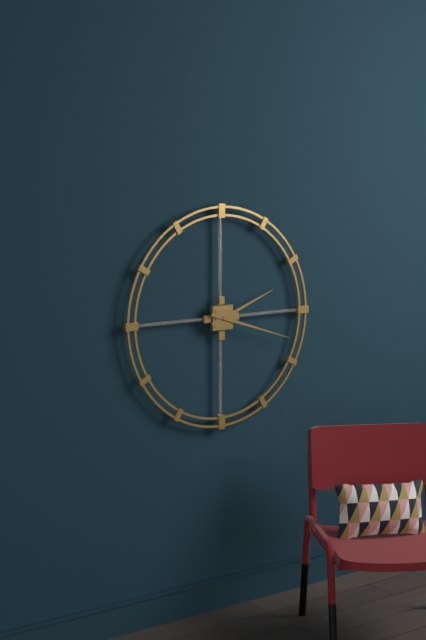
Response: **2:18**
